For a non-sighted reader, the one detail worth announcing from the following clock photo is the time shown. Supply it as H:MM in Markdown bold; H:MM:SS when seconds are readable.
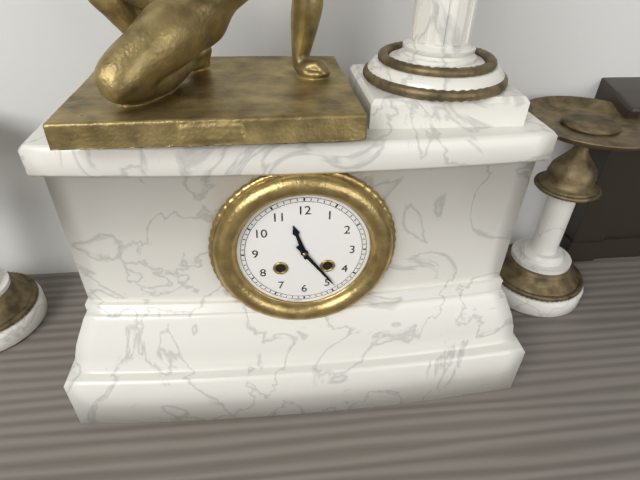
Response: **11:24**
